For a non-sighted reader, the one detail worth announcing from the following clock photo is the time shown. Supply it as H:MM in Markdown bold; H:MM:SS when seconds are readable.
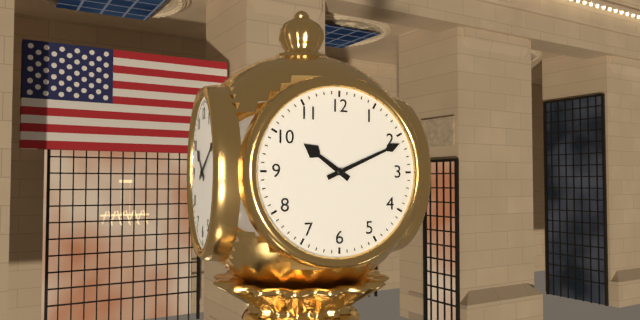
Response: **10:11**
